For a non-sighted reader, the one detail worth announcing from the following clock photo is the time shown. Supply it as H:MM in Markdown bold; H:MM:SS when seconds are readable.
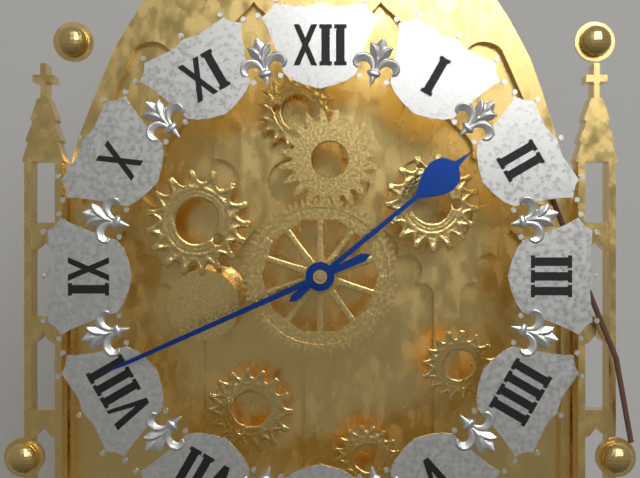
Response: **1:41**
